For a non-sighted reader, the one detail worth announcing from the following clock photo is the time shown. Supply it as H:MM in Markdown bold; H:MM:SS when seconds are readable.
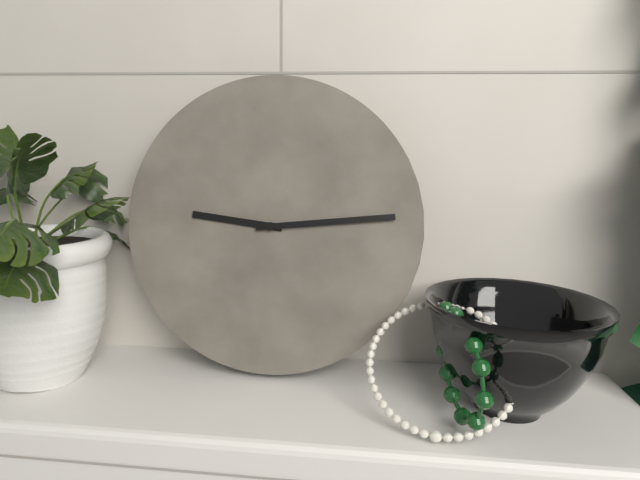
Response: **9:14**
